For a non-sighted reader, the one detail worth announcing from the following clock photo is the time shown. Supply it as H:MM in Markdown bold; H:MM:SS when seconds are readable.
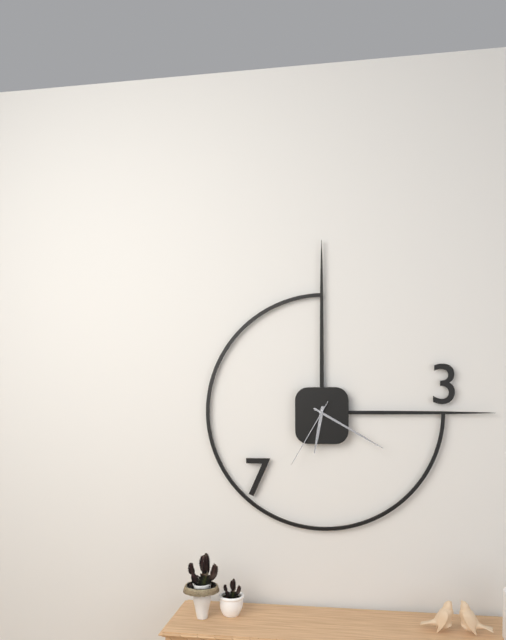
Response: **6:20:35**
